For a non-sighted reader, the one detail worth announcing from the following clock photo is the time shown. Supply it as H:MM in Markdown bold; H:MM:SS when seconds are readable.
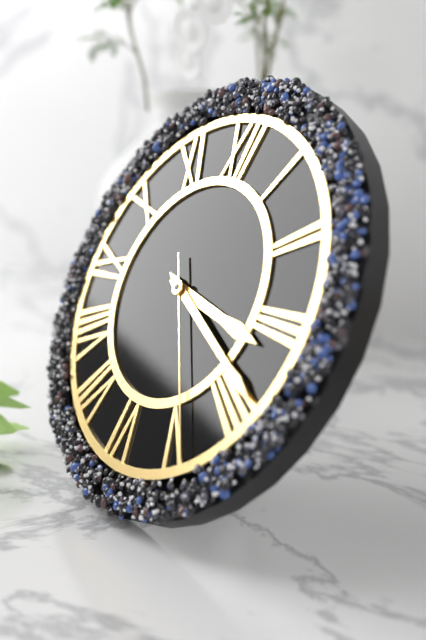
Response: **3:19:24**
